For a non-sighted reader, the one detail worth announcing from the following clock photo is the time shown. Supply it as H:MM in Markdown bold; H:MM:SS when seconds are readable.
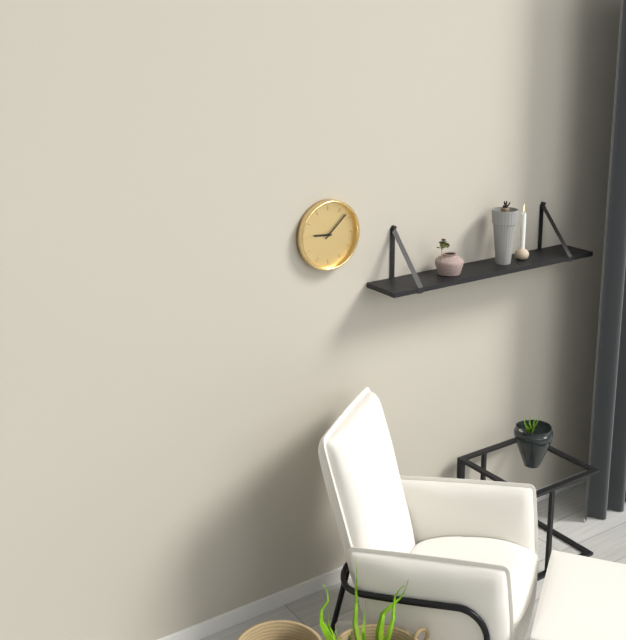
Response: **9:08**
